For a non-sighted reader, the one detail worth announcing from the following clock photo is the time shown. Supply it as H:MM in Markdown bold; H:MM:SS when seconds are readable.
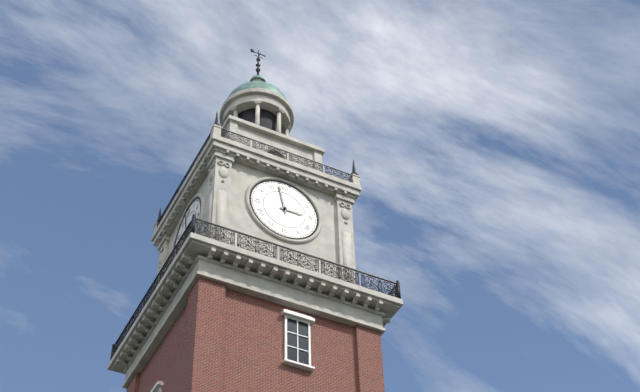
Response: **2:58**
